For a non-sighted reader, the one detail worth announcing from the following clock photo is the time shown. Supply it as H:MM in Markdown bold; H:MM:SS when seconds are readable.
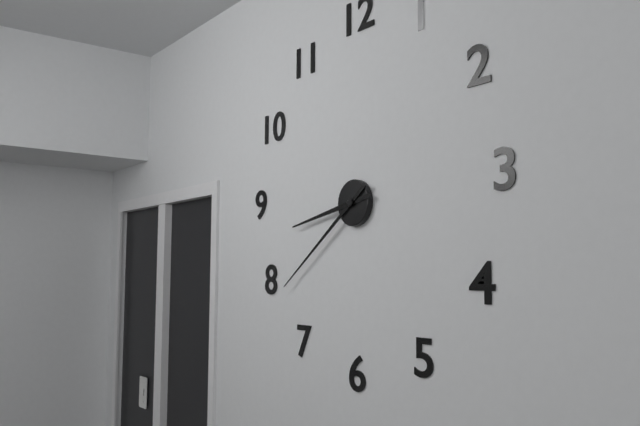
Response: **8:39**
